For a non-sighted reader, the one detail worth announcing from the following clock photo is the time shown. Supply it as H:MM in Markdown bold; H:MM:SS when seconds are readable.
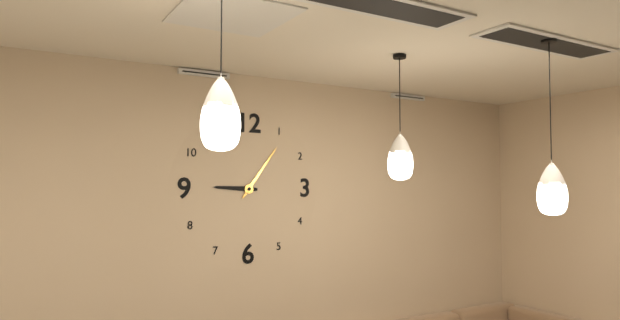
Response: **9:06**
